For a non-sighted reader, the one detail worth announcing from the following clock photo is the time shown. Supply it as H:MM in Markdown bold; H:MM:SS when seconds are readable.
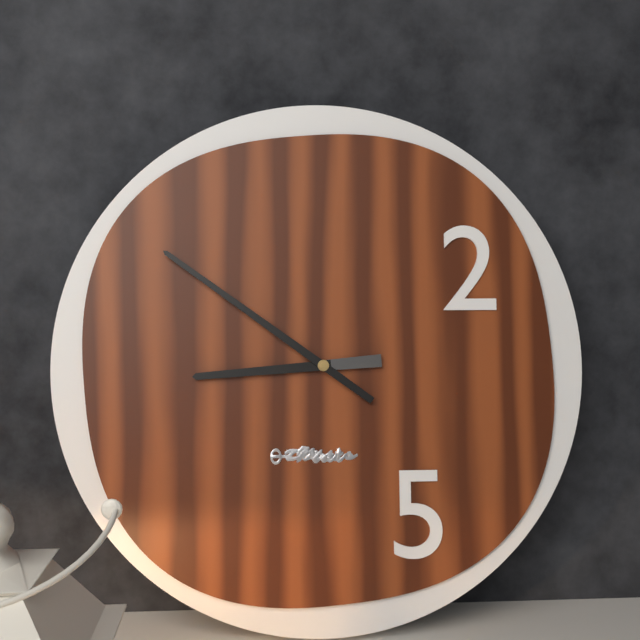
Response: **8:51**
